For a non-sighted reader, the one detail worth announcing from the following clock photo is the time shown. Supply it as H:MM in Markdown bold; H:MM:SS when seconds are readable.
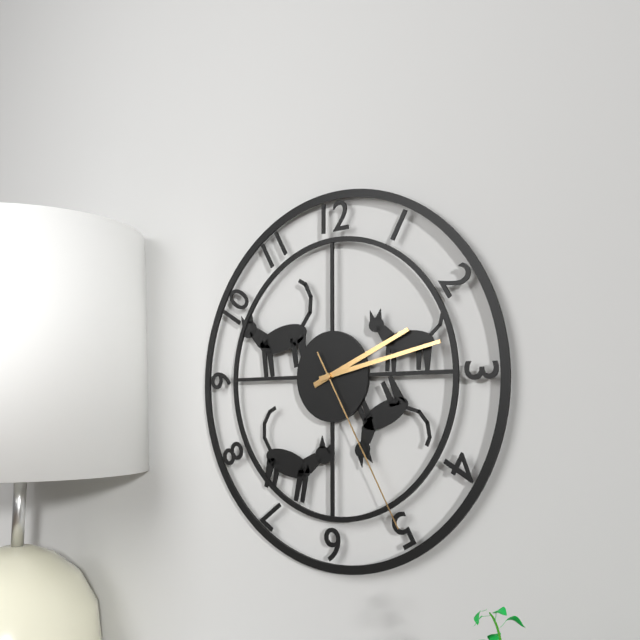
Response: **2:13:25**
